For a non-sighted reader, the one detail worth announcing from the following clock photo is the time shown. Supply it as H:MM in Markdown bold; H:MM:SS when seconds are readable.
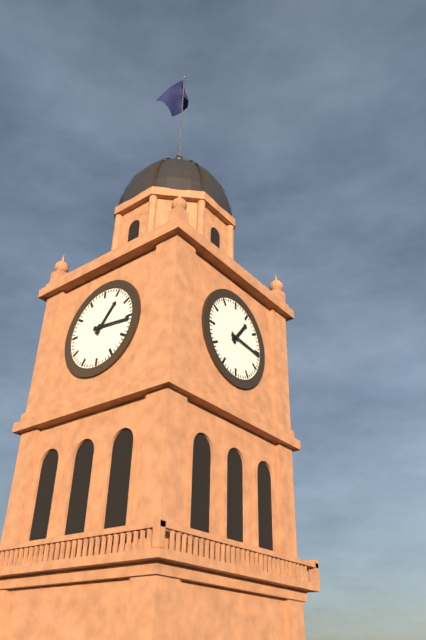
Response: **1:16**
